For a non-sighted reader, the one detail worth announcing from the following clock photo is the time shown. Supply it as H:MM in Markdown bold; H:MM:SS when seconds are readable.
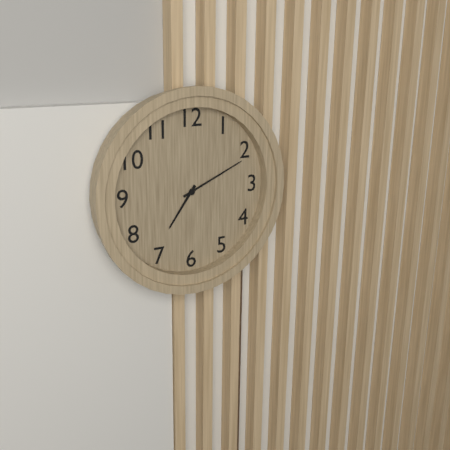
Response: **7:11**
